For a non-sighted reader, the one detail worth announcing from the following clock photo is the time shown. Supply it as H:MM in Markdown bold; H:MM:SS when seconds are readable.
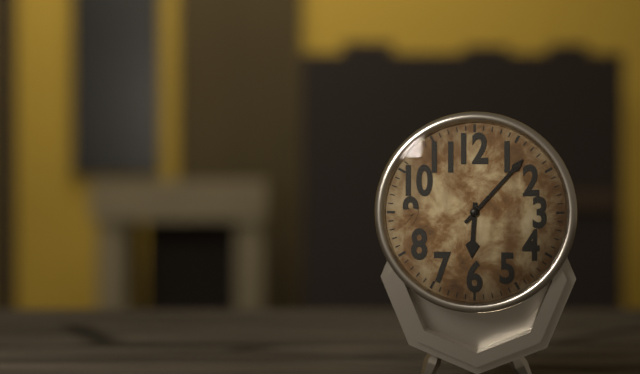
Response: **6:07**
